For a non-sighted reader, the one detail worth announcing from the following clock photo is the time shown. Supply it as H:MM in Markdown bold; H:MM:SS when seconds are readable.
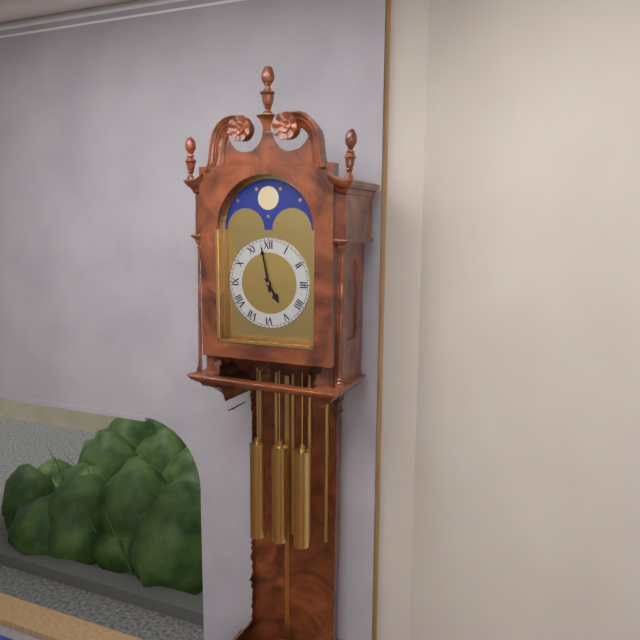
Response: **4:58**
